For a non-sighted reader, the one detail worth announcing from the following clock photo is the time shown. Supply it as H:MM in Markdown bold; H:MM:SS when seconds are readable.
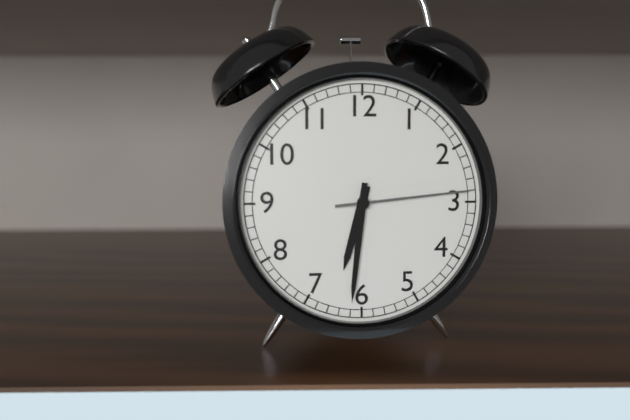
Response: **6:31:14**
